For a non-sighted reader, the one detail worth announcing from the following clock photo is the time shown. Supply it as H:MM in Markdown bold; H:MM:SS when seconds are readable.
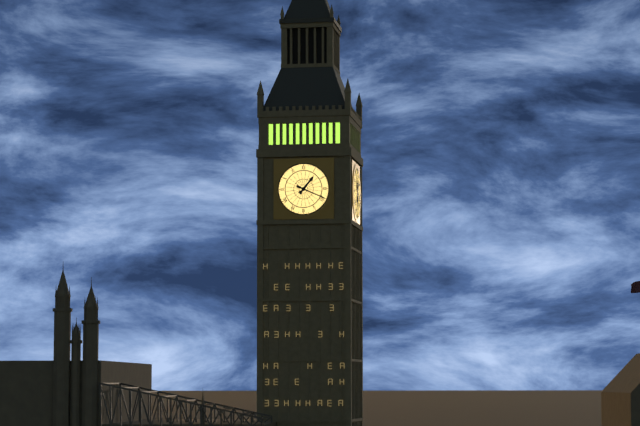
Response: **1:19**
